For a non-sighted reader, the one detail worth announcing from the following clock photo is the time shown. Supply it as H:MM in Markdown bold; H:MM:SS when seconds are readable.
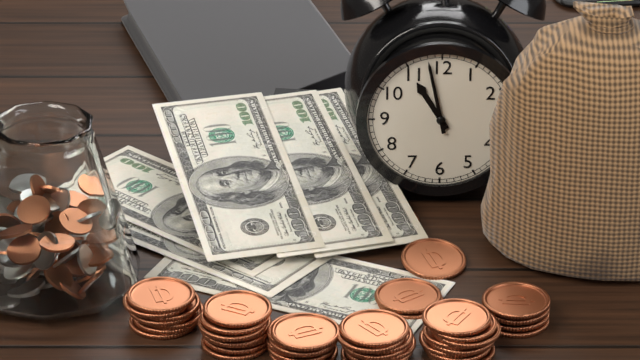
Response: **10:58**
